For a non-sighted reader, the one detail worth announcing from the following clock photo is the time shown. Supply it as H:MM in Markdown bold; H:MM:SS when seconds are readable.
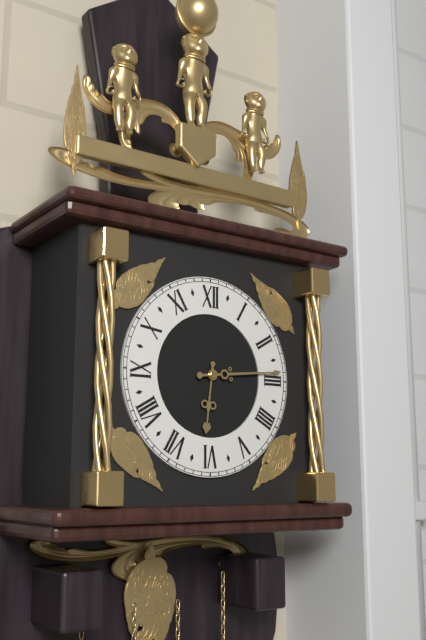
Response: **6:14**
